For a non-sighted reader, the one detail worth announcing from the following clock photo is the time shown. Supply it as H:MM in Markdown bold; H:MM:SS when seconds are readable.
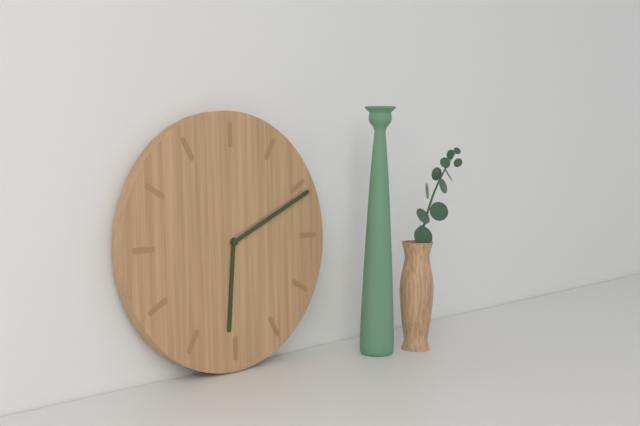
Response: **6:11**
